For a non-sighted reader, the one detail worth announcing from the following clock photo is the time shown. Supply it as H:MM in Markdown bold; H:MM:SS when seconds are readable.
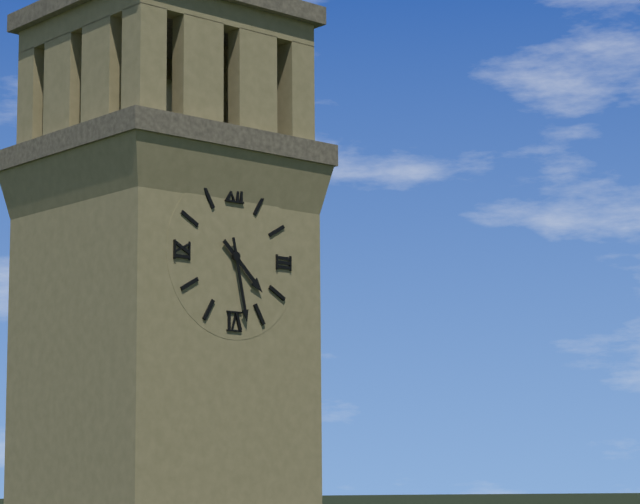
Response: **4:28**
